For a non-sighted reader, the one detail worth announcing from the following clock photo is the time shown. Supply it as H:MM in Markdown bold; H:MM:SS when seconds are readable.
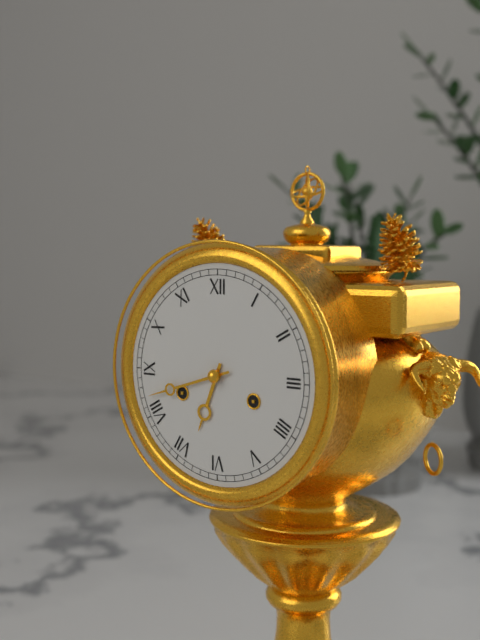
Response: **6:42**
